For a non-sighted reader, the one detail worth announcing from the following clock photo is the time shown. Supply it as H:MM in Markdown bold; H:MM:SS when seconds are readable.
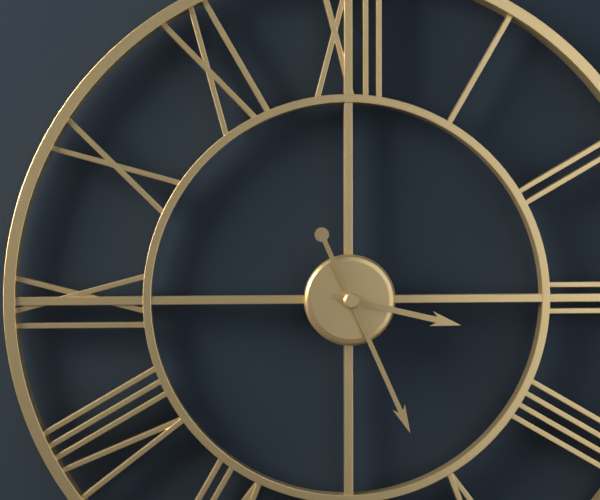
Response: **3:26**
